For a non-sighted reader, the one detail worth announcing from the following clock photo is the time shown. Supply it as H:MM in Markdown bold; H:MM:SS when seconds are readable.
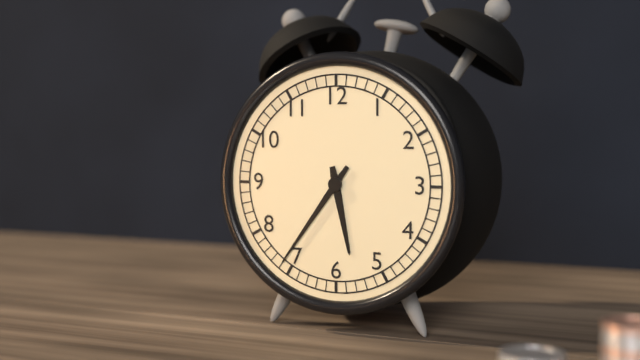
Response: **5:36**
